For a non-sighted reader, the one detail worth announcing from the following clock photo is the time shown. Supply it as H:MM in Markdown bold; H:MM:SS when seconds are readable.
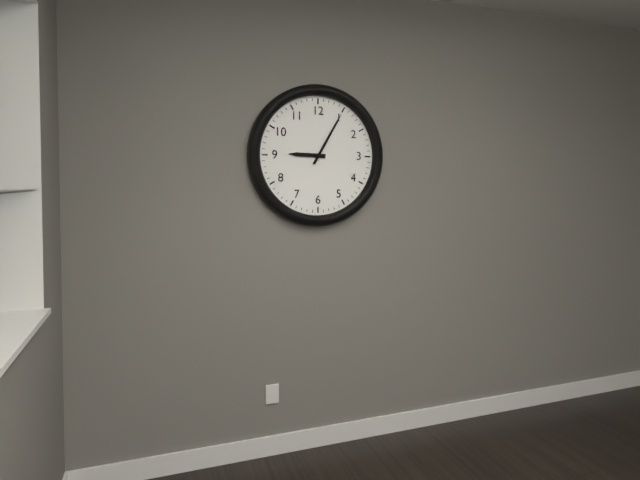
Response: **9:05**
